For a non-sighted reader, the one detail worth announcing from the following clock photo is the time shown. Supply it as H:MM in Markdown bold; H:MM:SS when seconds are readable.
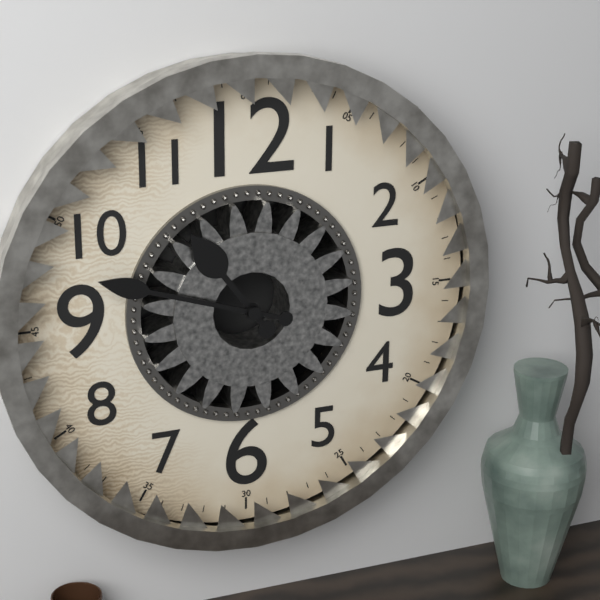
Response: **10:48**
